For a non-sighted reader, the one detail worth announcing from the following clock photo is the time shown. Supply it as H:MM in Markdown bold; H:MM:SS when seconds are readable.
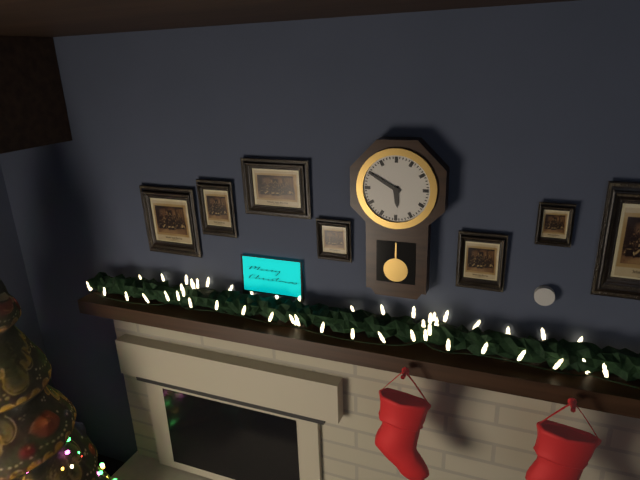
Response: **5:50**
